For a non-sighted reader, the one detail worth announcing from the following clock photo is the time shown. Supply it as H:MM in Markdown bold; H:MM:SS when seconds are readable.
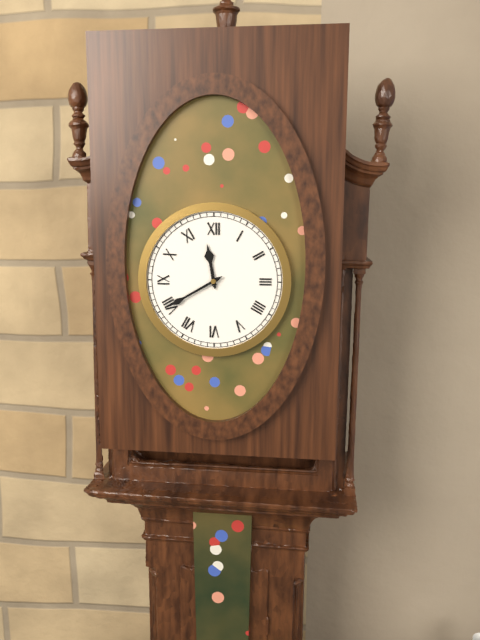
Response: **11:40**
